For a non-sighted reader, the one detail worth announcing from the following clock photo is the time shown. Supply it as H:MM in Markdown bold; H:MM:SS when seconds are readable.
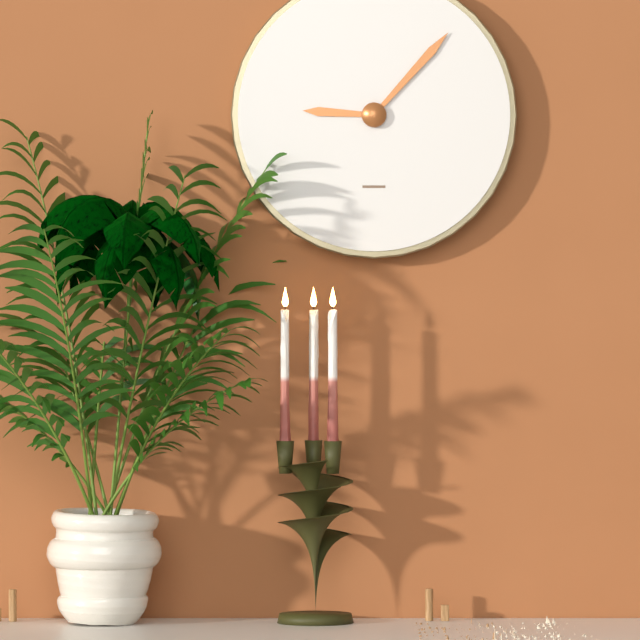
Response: **9:07**
